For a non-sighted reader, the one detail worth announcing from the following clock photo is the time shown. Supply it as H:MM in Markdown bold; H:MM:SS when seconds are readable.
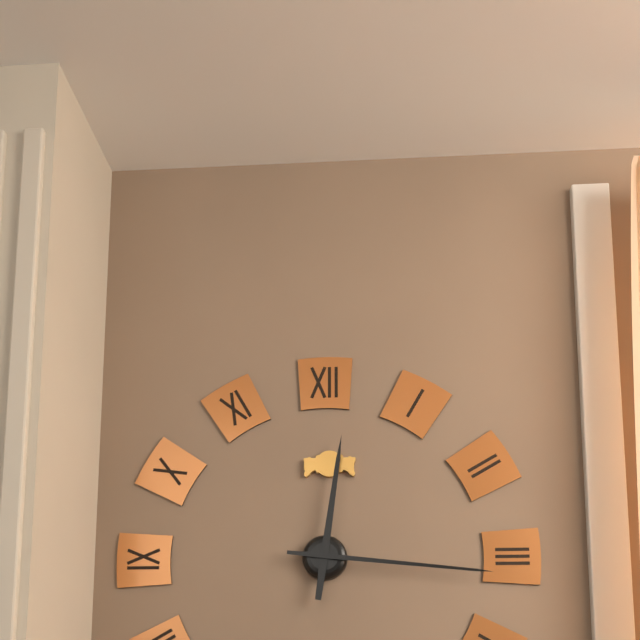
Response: **12:16**
